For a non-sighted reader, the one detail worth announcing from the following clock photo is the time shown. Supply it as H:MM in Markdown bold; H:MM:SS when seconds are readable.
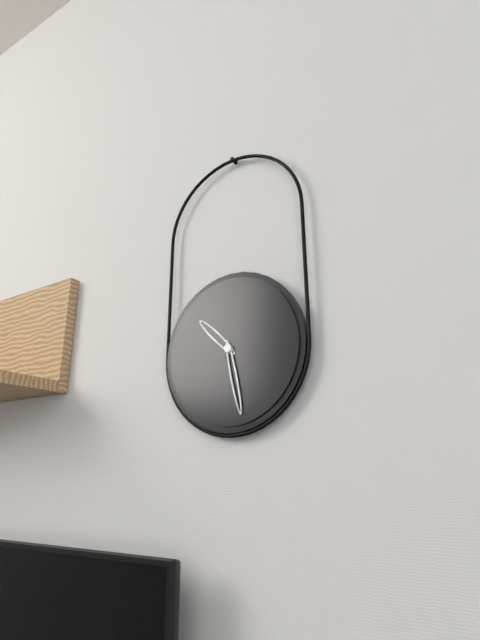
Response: **10:28**
